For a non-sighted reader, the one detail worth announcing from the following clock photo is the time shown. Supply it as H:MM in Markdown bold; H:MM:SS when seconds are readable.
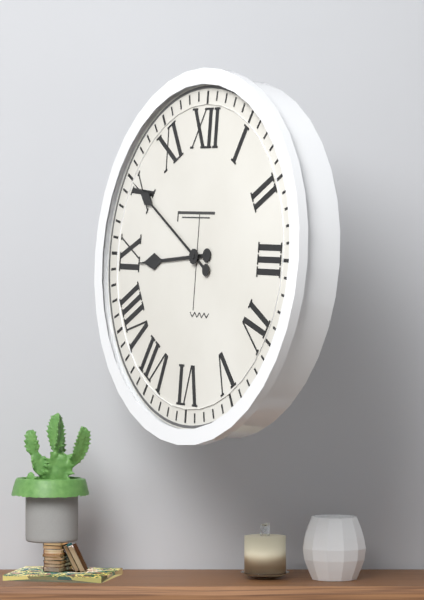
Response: **8:50**
